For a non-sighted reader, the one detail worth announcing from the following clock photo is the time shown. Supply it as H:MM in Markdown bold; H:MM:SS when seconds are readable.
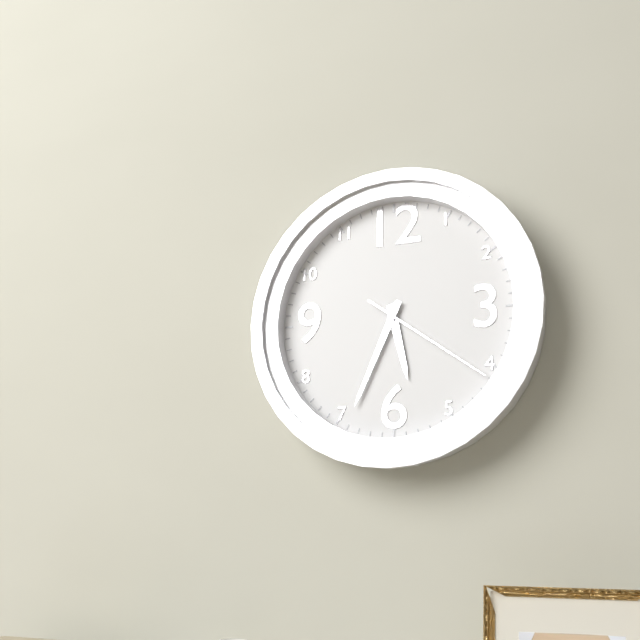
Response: **5:34:21**
